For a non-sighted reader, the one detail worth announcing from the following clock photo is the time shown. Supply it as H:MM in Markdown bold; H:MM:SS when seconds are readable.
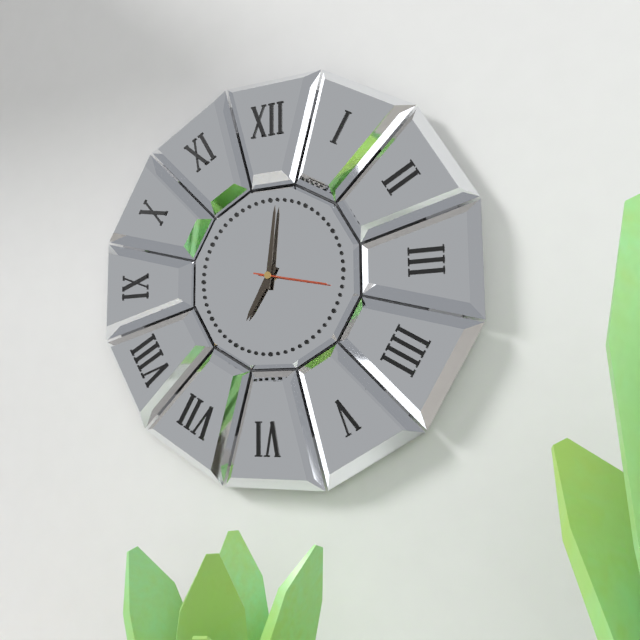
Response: **7:01:17**
